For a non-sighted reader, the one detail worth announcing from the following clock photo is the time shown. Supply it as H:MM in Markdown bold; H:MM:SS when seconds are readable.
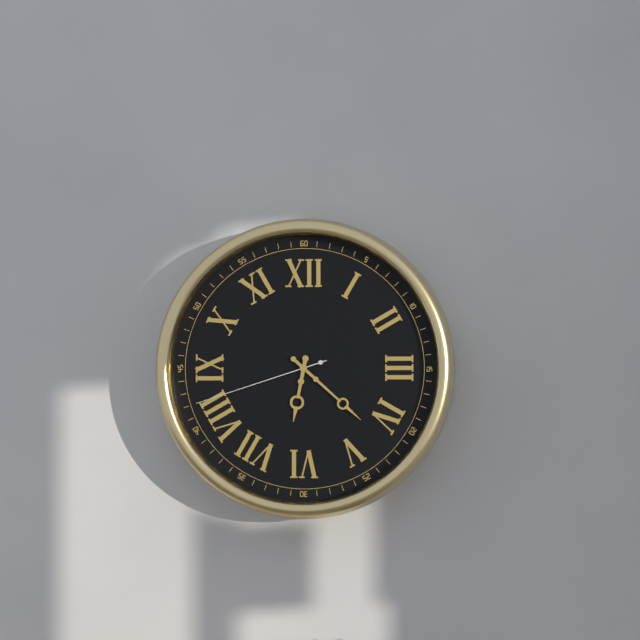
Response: **6:22:42**
